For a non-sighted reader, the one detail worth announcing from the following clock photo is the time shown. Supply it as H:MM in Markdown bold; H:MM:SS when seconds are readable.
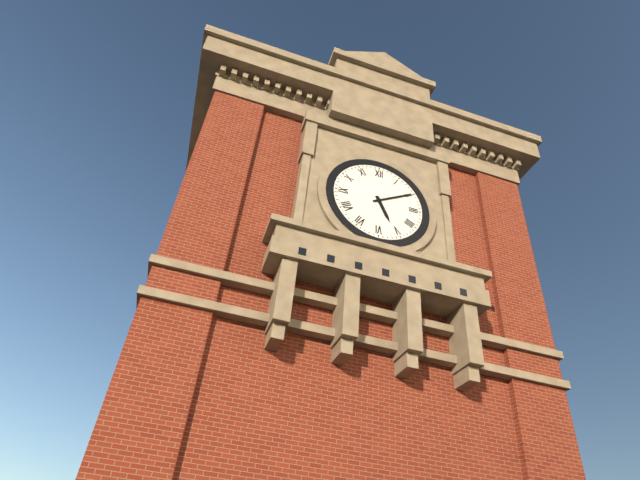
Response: **5:10**
